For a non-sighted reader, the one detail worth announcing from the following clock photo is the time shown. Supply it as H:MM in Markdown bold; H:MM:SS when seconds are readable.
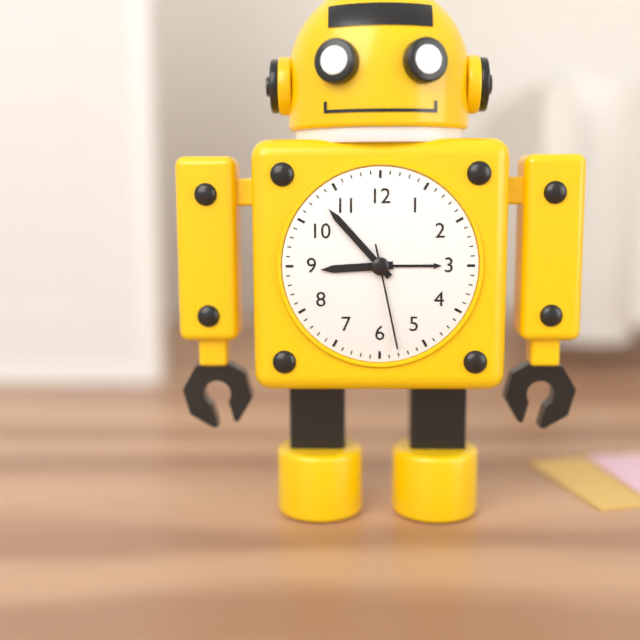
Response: **8:53:28**
